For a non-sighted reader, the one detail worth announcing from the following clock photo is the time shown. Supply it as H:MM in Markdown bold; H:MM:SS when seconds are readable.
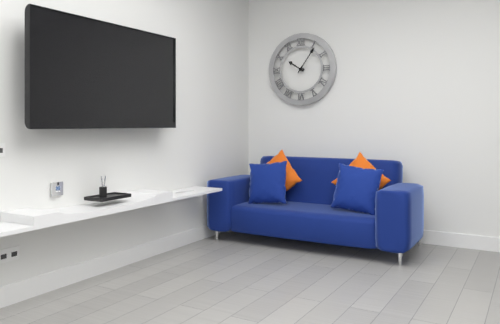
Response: **10:06**
